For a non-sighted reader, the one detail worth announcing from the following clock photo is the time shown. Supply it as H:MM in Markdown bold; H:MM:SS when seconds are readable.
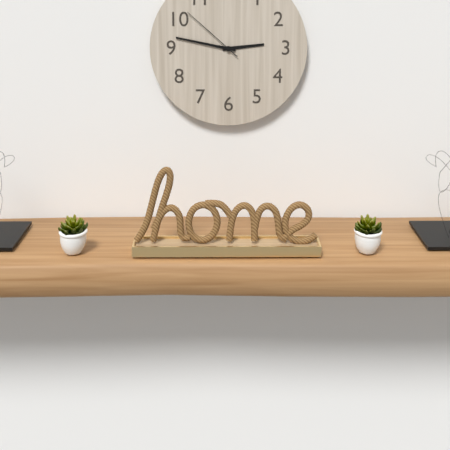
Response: **2:47:52**
